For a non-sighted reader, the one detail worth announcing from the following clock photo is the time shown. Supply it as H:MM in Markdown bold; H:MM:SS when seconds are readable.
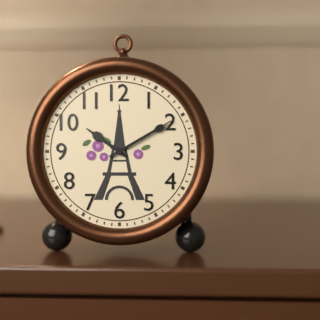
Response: **10:10**
